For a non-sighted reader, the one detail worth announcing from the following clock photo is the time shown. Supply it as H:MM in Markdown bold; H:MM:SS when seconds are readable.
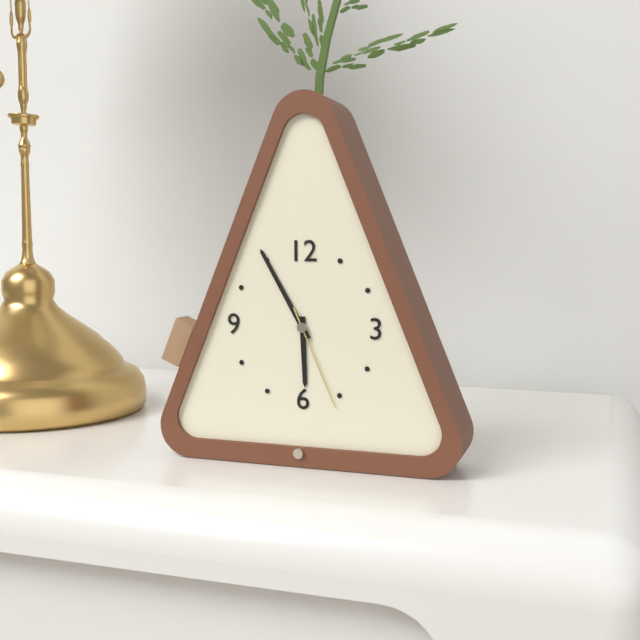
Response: **5:55:26**
